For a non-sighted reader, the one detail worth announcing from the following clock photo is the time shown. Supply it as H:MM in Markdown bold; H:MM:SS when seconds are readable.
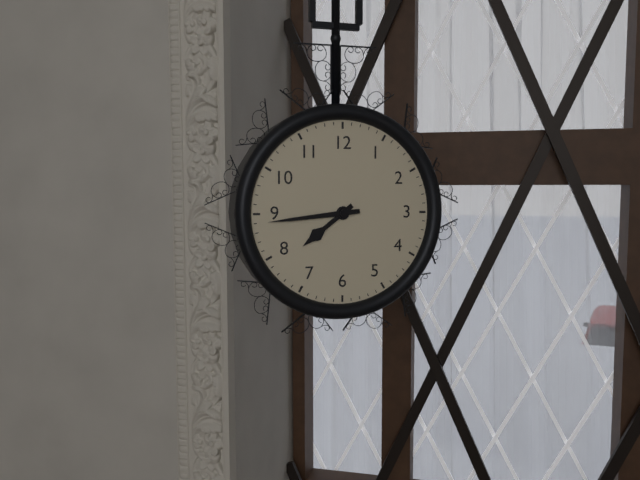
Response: **7:44**
